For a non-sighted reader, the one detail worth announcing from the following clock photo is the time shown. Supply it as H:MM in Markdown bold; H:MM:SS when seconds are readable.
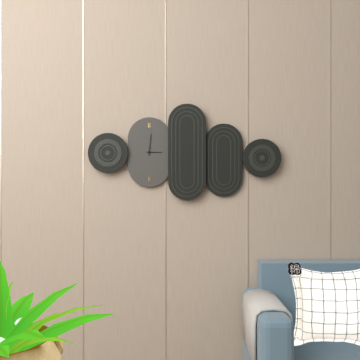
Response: **3:01**
